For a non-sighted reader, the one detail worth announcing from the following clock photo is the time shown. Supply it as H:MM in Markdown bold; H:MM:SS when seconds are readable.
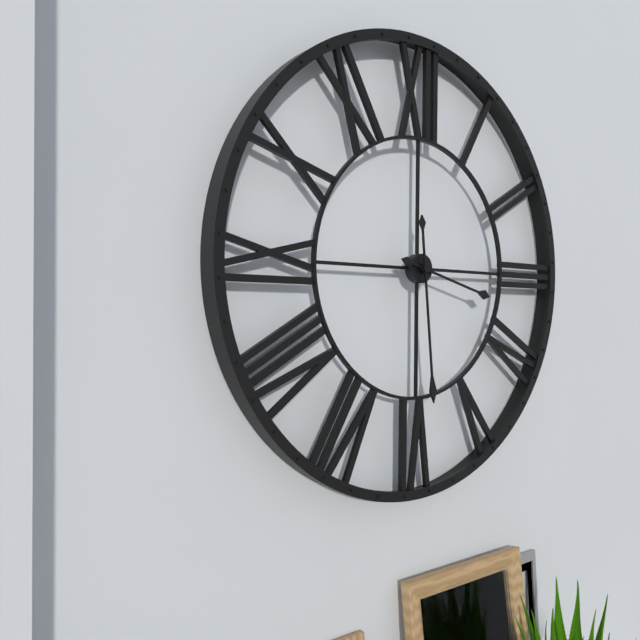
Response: **3:29**
